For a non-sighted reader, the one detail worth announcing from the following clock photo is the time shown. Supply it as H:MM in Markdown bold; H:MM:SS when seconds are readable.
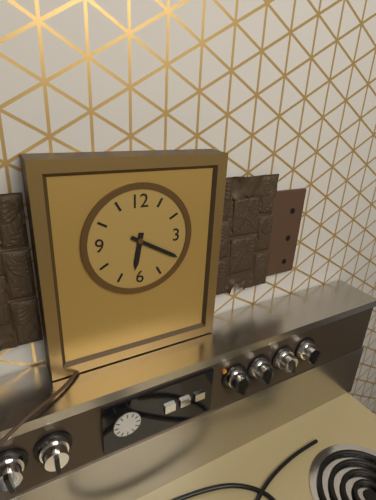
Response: **6:20**
